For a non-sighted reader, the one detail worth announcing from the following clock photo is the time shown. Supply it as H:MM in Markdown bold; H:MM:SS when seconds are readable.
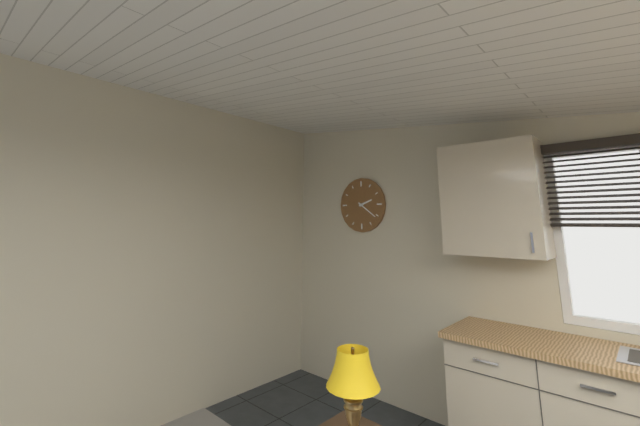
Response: **2:21**
